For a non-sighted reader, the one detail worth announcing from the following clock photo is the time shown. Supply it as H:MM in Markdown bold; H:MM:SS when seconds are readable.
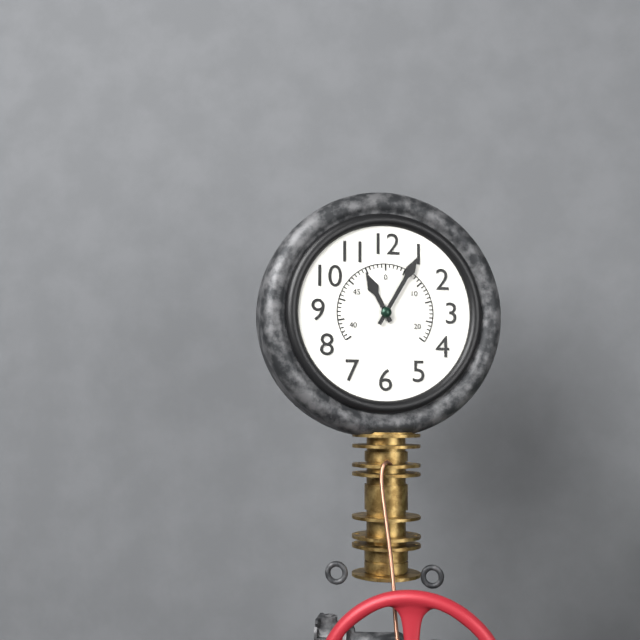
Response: **11:05**
